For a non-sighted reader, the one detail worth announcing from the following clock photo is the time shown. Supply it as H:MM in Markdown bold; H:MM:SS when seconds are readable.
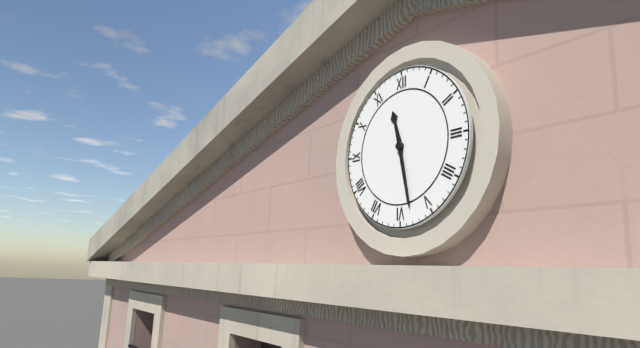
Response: **11:28**
